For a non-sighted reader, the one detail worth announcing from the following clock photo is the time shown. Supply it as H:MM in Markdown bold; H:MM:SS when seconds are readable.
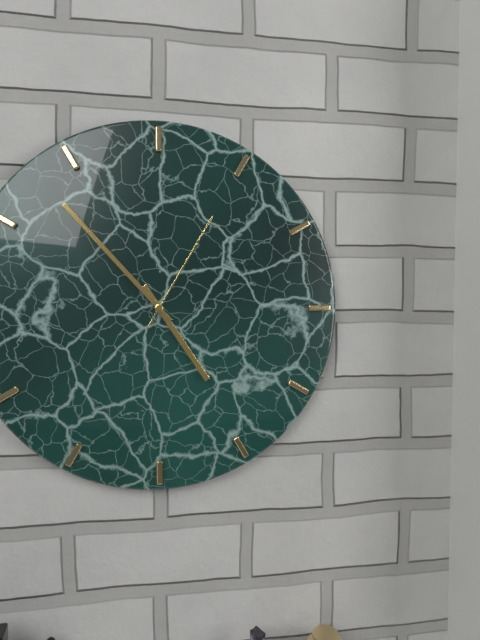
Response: **4:53:05**
